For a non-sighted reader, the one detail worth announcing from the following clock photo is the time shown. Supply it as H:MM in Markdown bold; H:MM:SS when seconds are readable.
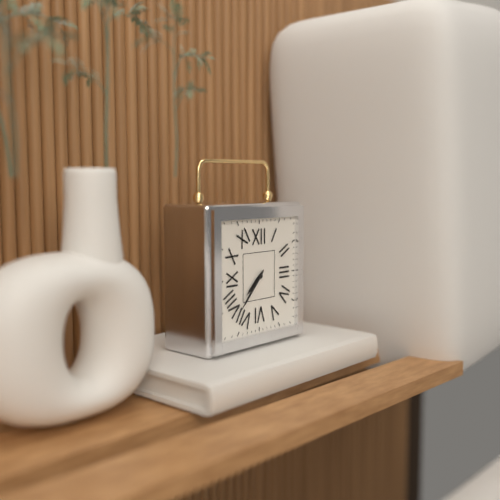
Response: **7:37**
